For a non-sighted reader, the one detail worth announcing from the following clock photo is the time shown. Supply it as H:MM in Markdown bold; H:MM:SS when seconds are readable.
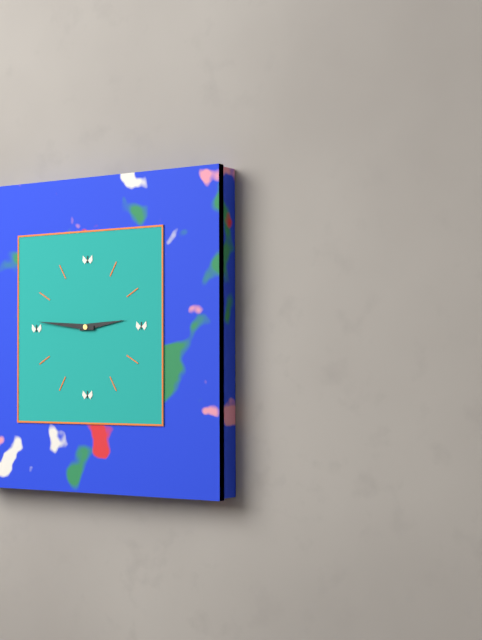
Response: **2:46**
